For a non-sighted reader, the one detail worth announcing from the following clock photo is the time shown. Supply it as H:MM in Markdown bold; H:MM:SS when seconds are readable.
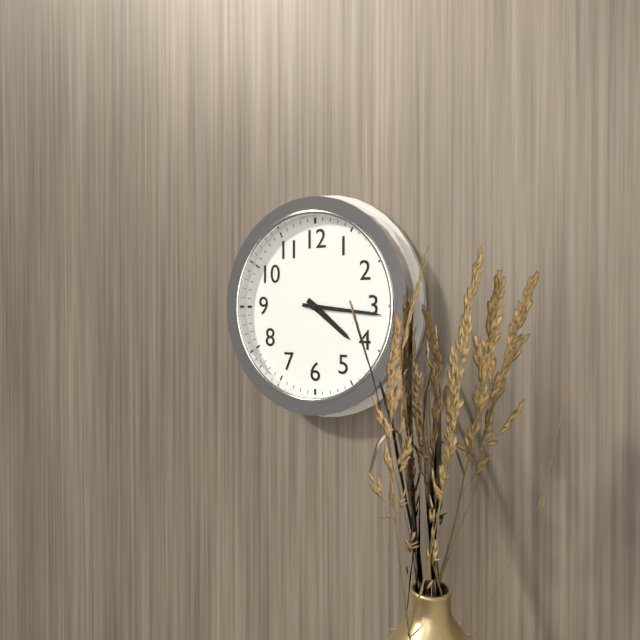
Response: **4:16**
